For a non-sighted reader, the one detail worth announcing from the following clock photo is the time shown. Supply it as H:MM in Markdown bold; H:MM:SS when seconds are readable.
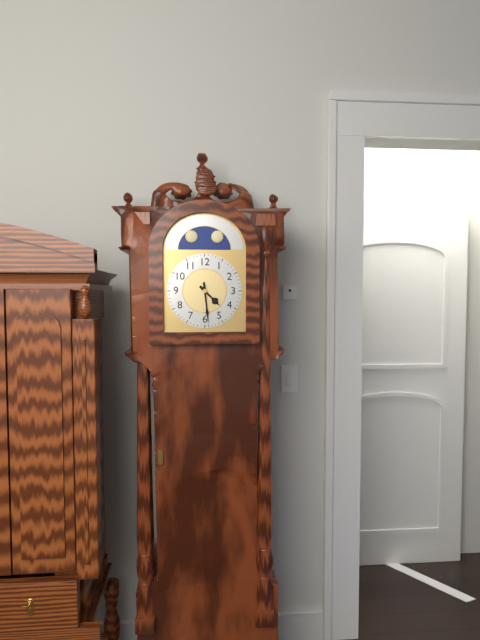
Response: **4:29**
